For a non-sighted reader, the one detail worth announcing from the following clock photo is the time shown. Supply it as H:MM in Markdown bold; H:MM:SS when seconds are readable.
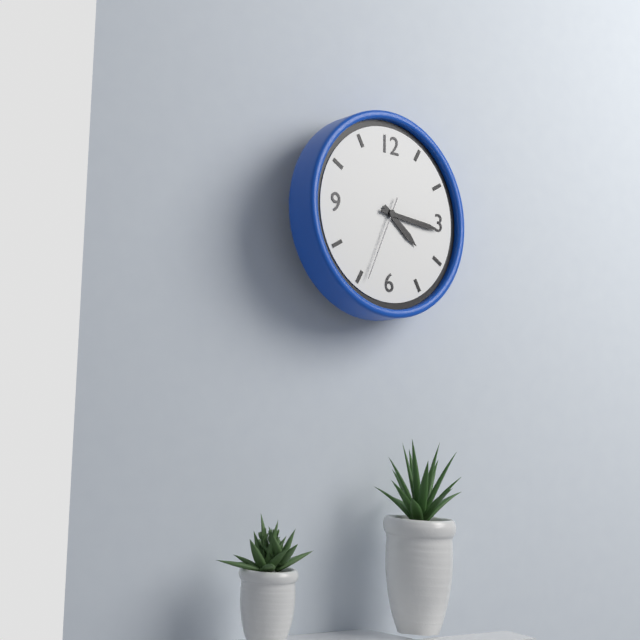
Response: **4:16:34**
